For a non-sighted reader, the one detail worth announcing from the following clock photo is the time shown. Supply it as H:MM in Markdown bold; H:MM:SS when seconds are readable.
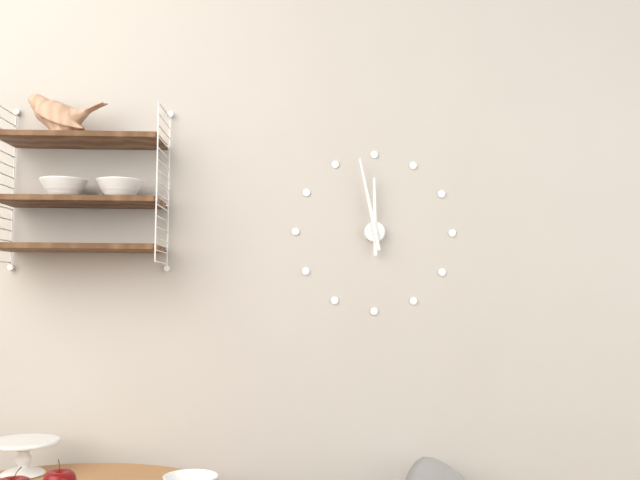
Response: **11:58**
